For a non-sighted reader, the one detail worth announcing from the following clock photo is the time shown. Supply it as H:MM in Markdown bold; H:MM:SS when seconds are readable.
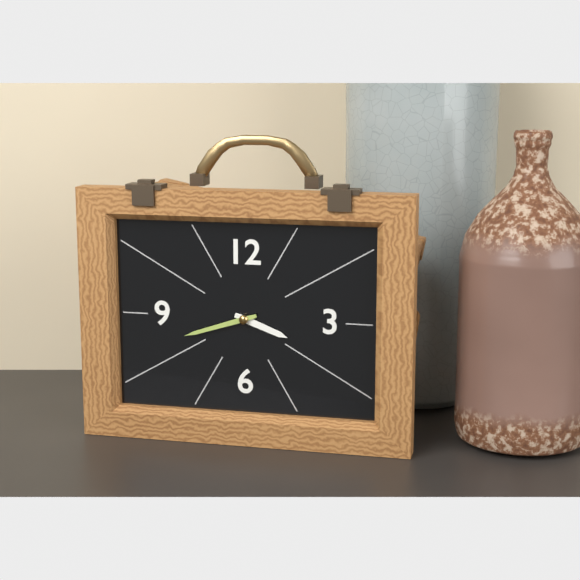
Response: **3:42**
